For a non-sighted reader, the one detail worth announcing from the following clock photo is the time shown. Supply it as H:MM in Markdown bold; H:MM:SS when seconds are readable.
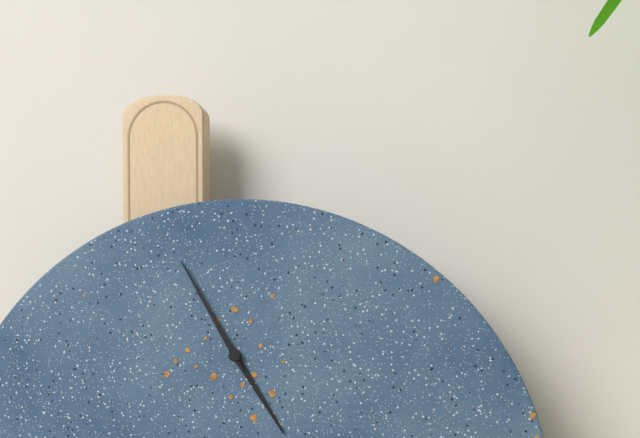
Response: **4:55**
